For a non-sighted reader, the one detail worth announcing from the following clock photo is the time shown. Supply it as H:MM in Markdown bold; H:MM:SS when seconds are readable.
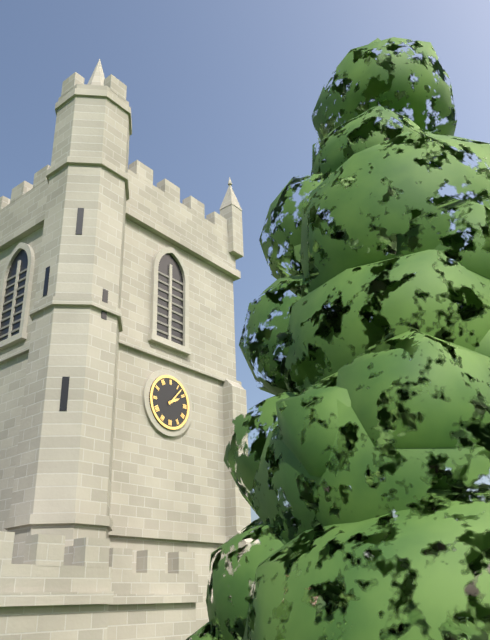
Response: **2:07**
